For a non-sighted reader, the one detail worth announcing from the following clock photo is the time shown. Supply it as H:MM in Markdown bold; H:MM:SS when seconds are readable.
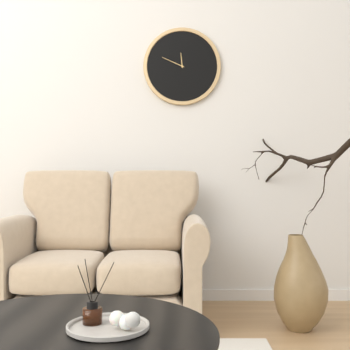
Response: **11:49**
